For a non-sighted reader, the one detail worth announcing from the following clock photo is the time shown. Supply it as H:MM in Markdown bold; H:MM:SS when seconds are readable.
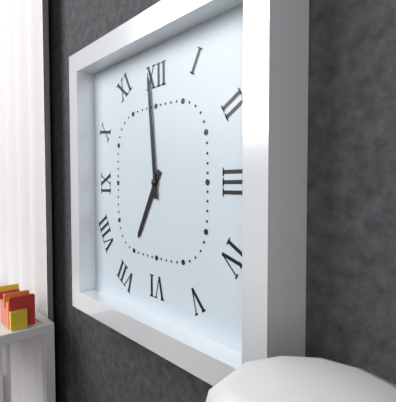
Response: **6:59**
